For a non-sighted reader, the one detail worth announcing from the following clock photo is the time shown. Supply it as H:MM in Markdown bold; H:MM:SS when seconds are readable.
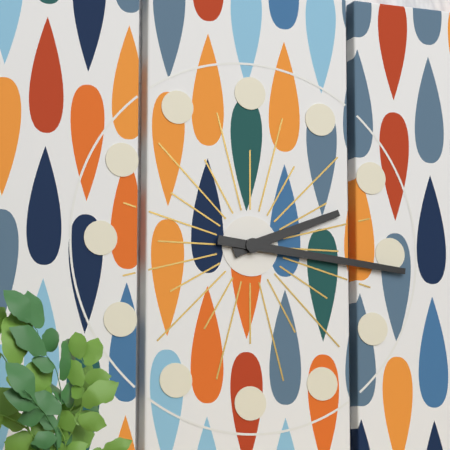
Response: **2:16**
